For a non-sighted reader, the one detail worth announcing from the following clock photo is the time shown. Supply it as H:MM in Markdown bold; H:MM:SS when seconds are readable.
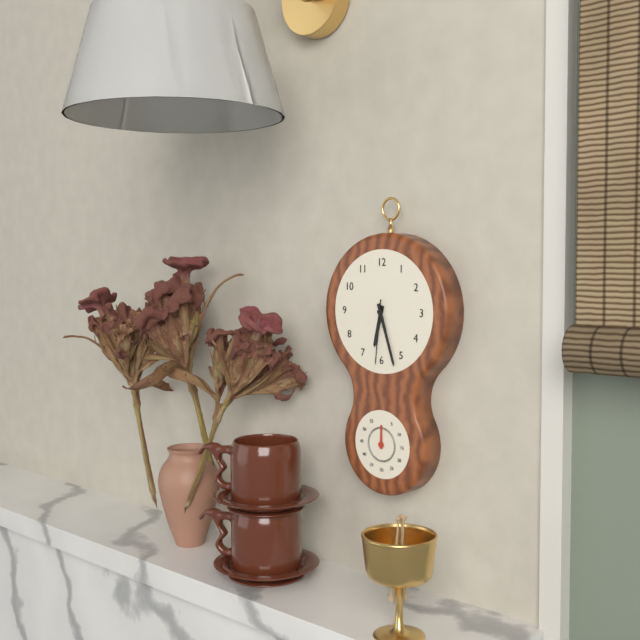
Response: **6:27:31**
